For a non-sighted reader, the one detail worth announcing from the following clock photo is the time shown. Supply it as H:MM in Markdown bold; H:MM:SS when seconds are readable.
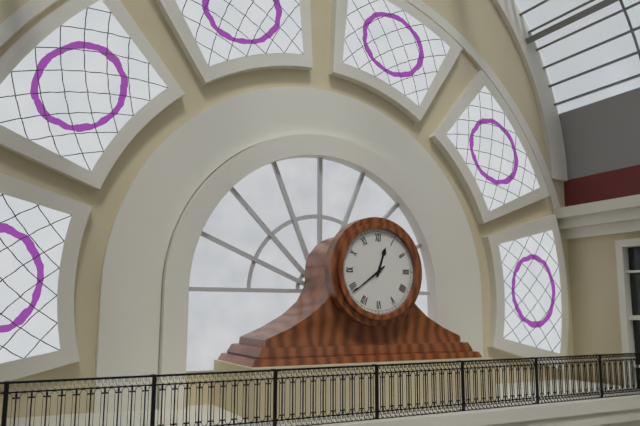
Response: **12:39**
